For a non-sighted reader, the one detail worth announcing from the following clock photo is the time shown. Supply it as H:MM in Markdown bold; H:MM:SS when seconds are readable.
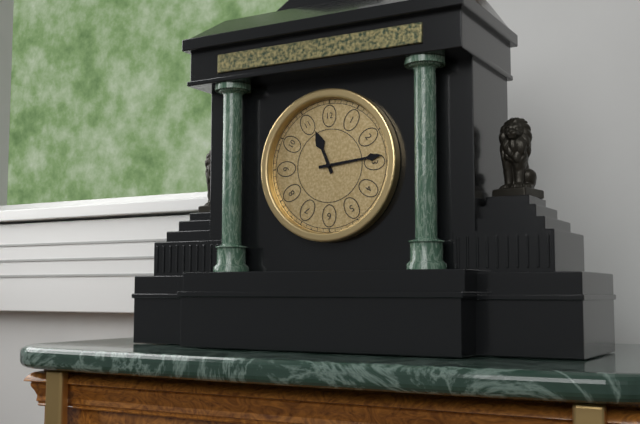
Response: **11:14**
